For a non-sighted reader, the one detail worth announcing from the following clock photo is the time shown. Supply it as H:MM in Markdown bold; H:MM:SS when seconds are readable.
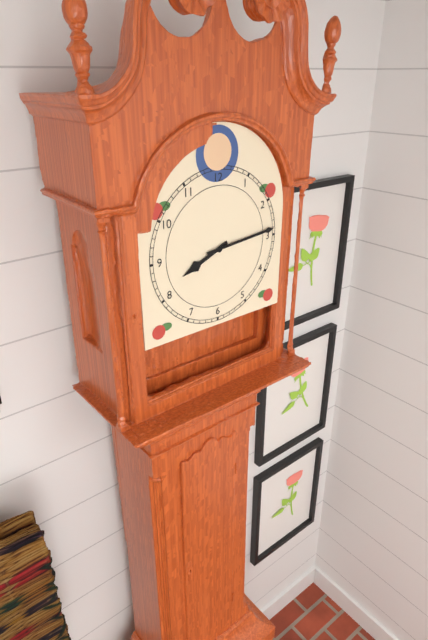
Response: **8:14**
